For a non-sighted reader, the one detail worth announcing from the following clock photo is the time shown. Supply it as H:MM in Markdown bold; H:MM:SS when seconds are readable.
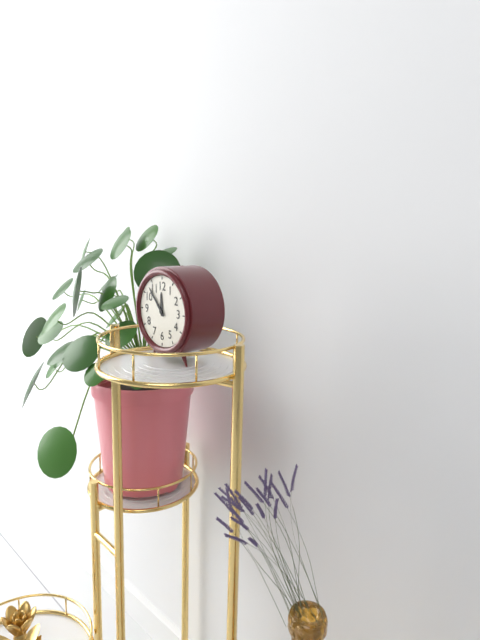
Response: **11:53**
